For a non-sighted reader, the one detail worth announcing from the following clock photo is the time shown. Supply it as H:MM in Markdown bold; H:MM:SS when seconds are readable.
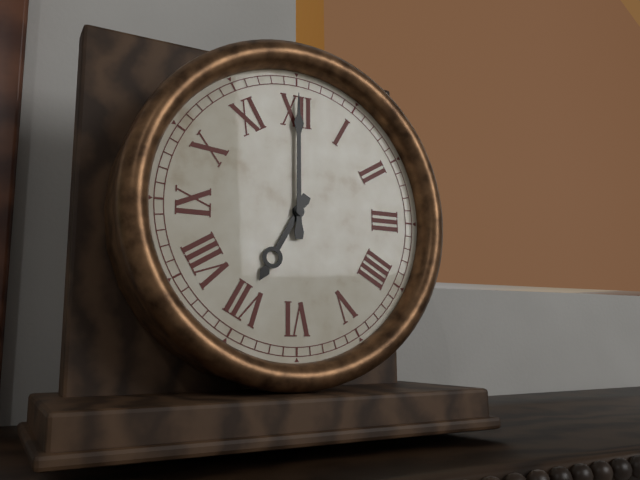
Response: **7:00**
